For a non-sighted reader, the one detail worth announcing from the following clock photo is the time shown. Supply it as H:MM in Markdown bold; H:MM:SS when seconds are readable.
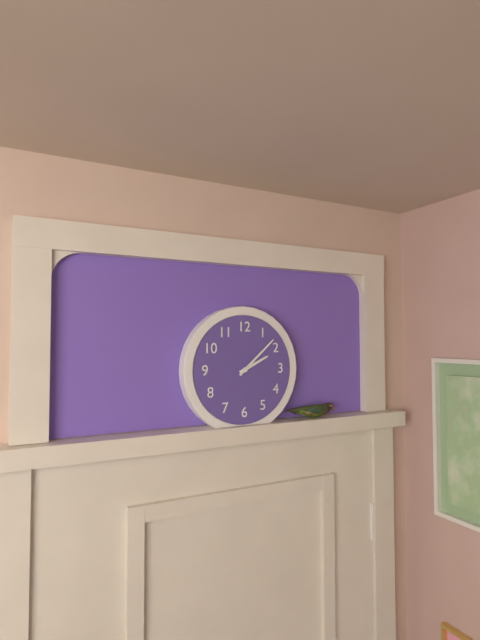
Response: **2:08**
